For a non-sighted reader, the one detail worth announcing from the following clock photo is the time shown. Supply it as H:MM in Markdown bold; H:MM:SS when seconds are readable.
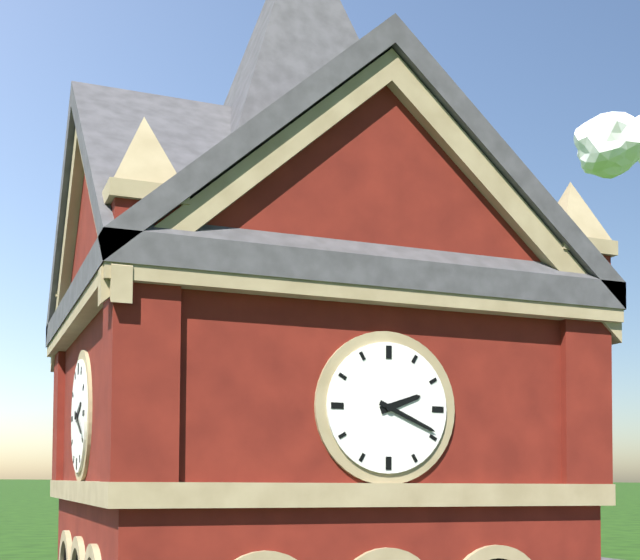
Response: **2:19**
